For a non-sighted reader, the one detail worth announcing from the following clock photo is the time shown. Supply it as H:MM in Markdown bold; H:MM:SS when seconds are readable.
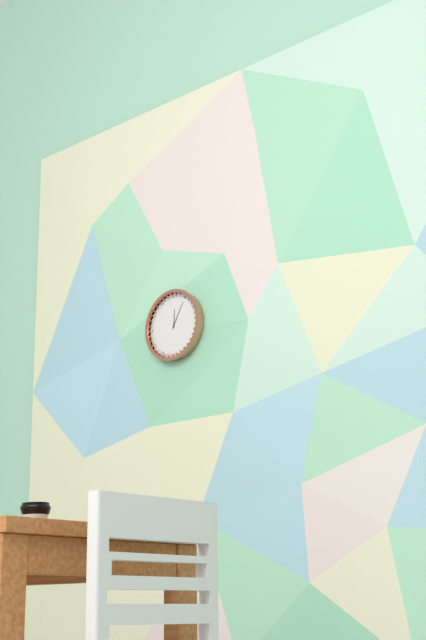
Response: **12:05**
